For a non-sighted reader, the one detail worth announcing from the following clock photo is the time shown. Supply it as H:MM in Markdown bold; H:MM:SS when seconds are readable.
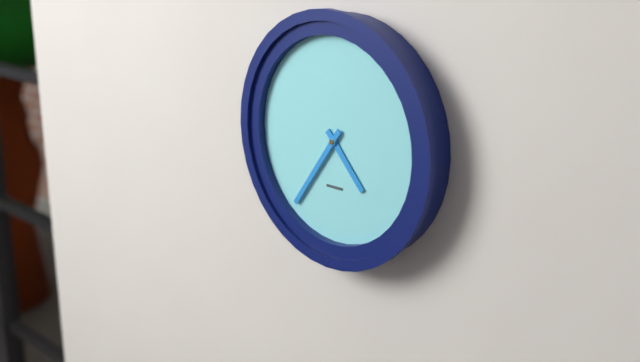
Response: **4:36**
